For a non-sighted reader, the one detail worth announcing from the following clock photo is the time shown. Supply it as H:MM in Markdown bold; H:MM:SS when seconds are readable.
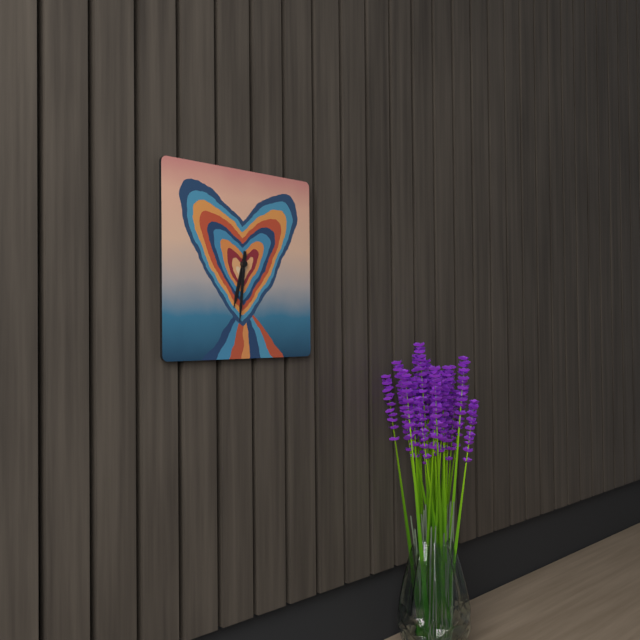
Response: **6:31**
